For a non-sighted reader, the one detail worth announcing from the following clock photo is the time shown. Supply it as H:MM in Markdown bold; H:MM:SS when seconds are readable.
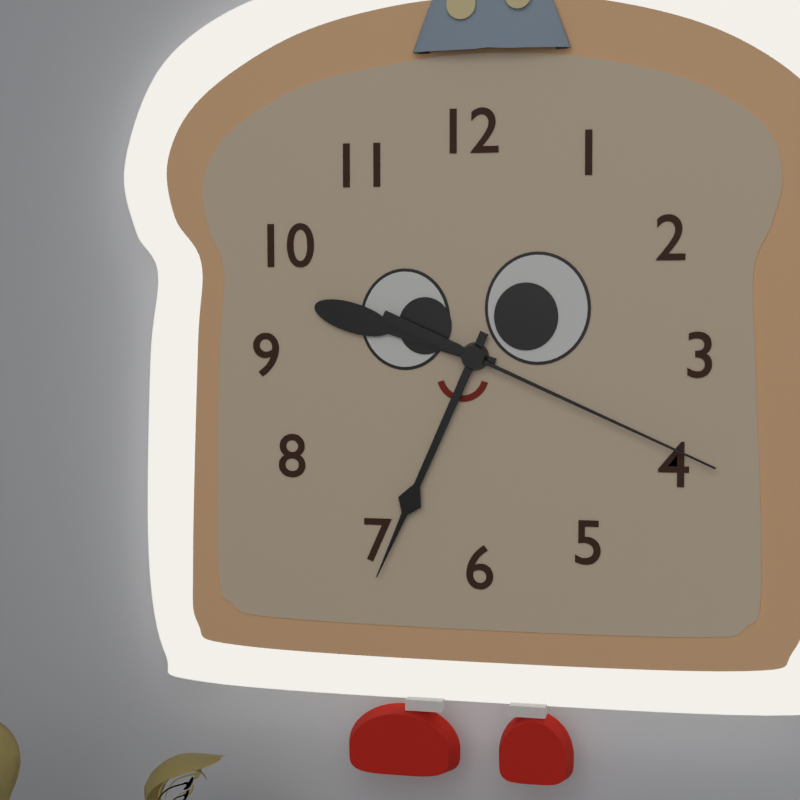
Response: **9:34:19**
